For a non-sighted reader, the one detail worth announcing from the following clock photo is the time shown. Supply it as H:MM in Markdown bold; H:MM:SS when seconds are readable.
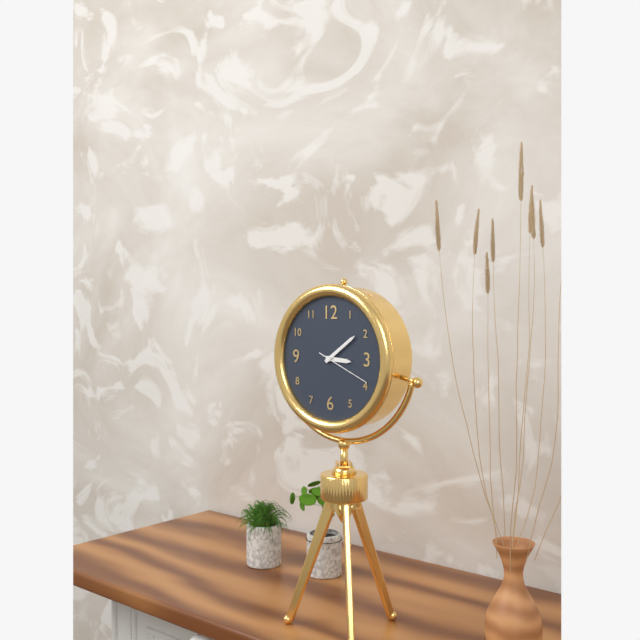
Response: **3:09:19**
